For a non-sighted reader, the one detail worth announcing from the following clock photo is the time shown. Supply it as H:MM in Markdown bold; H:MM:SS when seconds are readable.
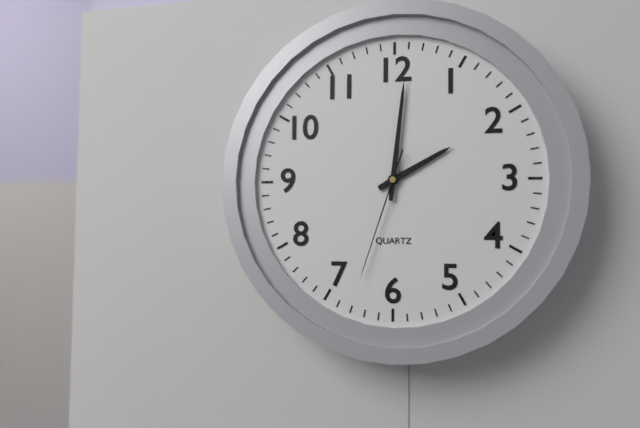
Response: **2:01:33**
